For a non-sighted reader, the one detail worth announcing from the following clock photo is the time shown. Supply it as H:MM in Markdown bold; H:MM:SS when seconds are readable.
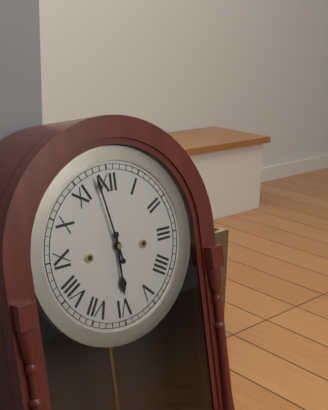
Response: **5:58**
